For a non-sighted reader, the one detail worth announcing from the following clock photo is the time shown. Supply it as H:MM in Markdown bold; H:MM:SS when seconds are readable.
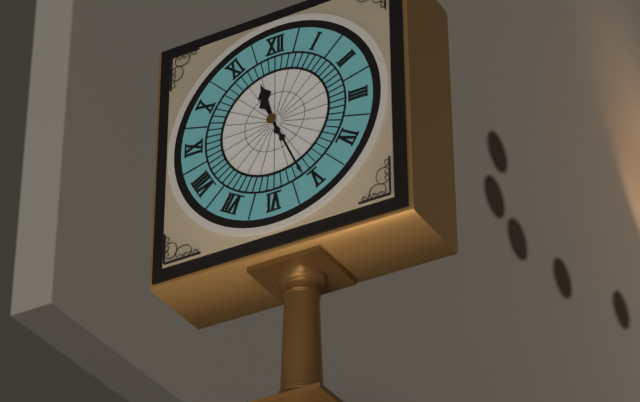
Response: **11:26**
